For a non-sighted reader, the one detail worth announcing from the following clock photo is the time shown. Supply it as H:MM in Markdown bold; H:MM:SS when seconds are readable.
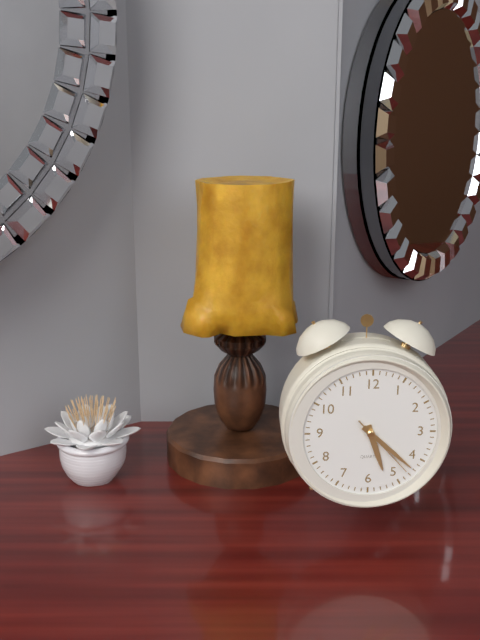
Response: **5:22:23**
